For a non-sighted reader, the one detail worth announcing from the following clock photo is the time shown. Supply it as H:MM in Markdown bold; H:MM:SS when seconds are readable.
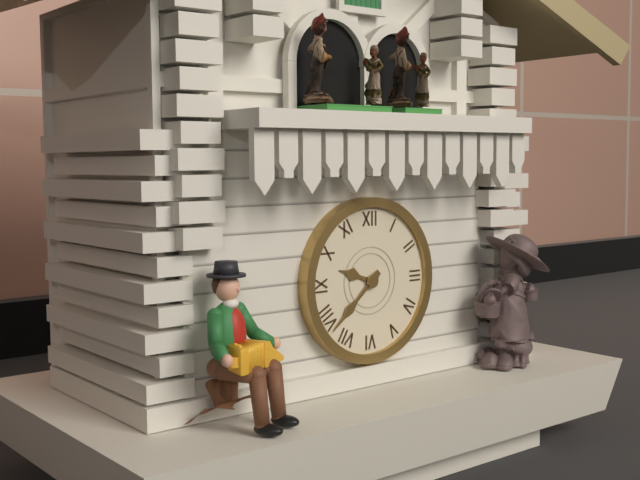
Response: **9:38**
